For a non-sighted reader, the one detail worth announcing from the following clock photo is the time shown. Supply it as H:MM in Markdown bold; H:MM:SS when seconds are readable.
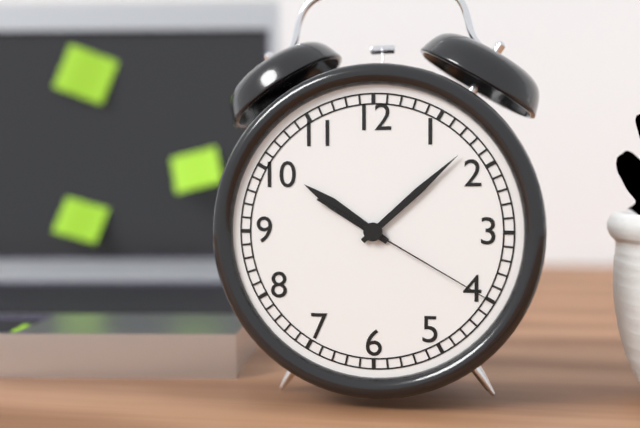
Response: **10:08:20**
